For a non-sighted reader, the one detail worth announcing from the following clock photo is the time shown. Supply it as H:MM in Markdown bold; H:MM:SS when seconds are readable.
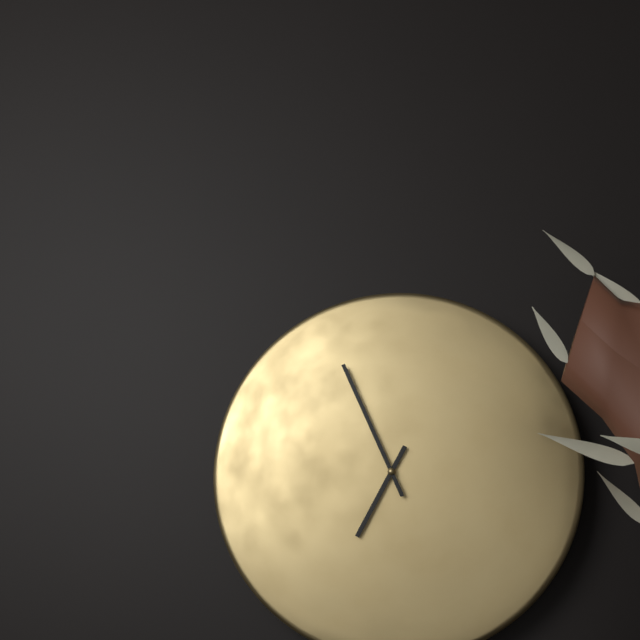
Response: **6:56**
